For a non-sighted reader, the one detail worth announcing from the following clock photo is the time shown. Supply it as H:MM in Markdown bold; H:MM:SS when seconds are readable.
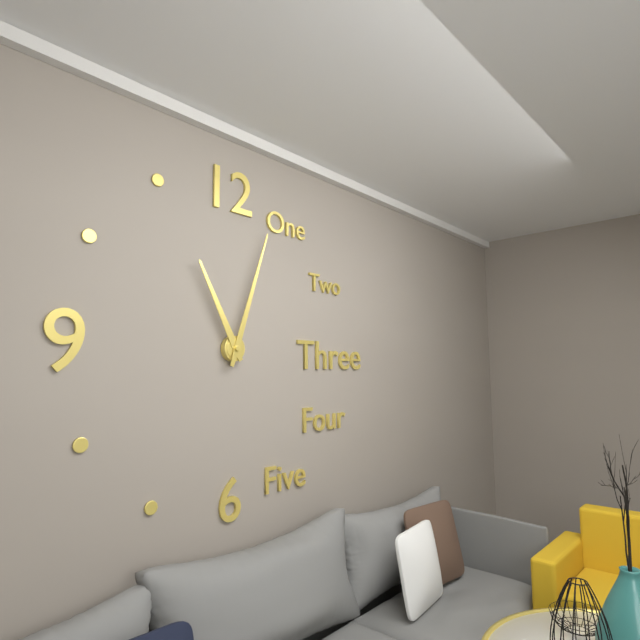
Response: **11:03**
